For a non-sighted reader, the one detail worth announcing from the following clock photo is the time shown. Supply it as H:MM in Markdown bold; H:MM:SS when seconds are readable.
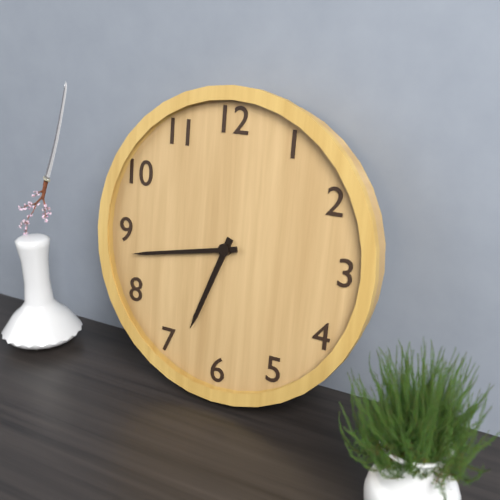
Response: **6:43**
